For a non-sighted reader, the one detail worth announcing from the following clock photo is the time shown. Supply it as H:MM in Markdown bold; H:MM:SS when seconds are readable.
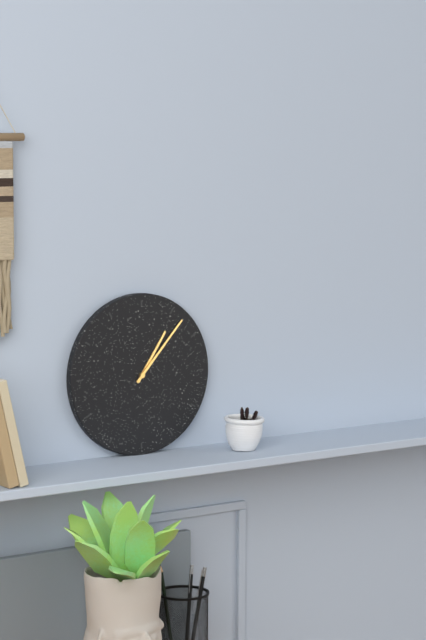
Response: **1:07**
